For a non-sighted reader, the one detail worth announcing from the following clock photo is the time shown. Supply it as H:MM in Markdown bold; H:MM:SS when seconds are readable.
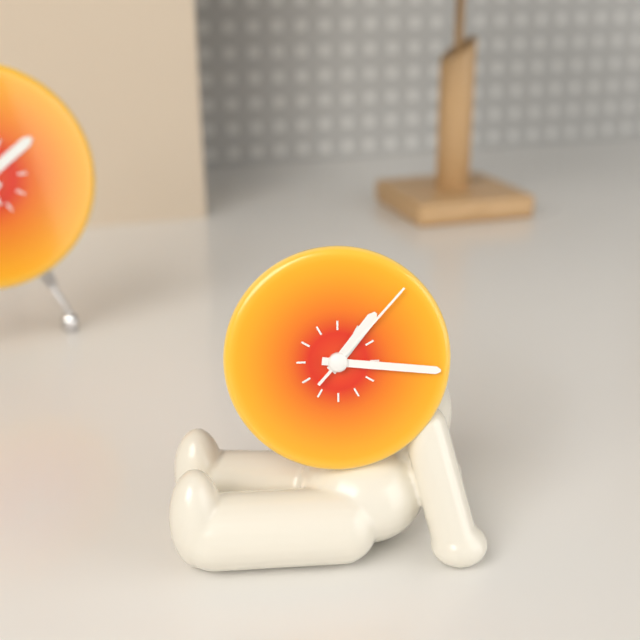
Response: **1:16:07**
